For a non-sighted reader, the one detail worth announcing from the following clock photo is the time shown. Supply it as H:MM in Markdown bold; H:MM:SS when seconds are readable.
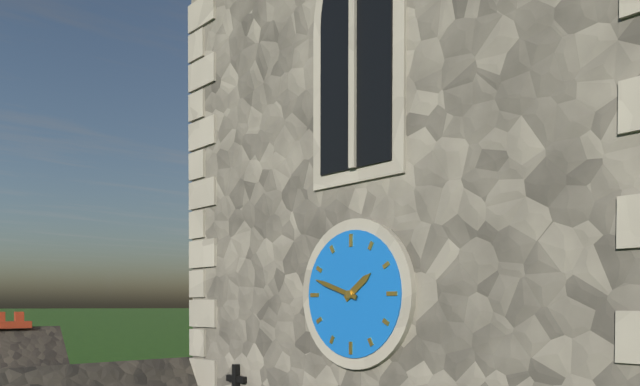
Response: **1:48**
